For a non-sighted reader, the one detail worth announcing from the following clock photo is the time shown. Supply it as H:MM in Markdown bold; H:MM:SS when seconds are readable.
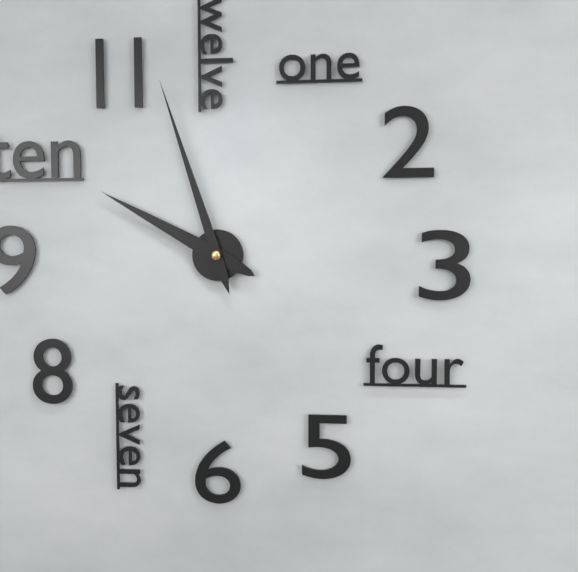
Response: **9:57**
